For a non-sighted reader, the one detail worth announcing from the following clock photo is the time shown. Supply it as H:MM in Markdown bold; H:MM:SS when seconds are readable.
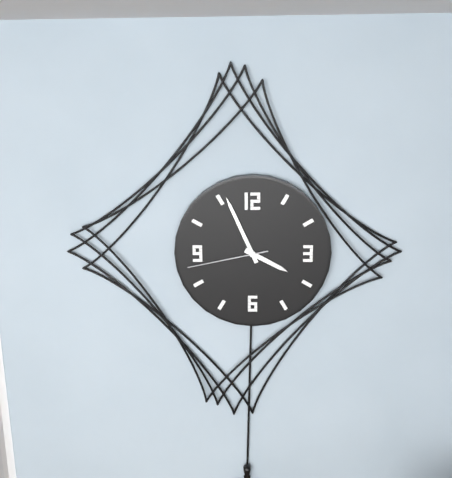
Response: **3:56:43**
